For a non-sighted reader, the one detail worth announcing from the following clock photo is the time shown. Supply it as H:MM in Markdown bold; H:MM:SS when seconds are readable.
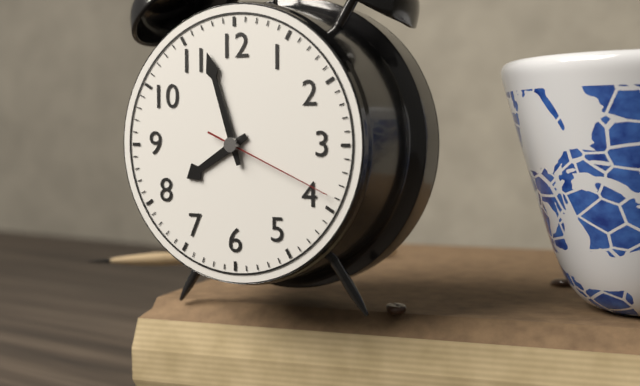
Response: **7:57:19**
